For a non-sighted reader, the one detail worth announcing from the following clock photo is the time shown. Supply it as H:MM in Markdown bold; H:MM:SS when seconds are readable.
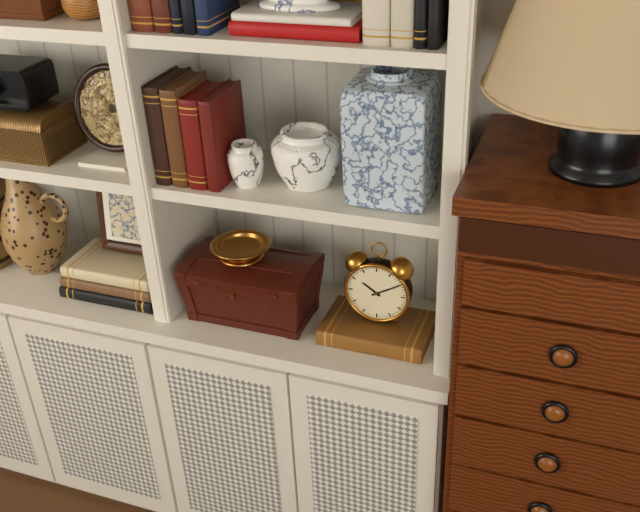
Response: **10:10**
